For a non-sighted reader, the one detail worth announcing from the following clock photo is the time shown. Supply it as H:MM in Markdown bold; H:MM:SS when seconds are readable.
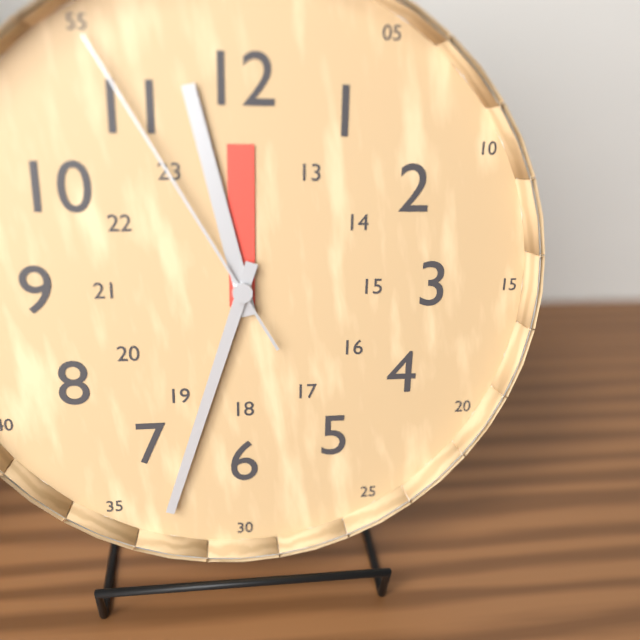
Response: **11:33:55**
